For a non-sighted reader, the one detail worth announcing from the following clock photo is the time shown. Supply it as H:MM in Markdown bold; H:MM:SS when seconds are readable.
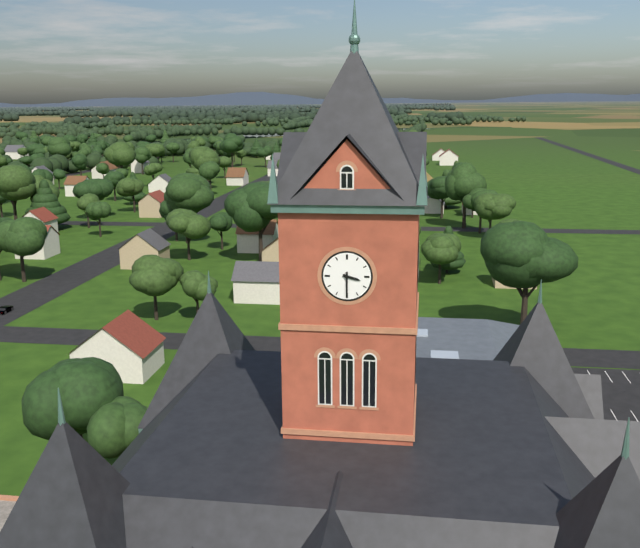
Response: **3:30**
